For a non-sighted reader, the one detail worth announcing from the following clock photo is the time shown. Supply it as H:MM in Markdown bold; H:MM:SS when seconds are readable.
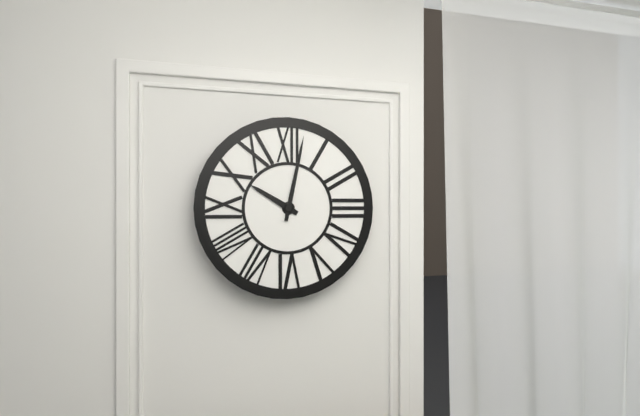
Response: **10:02**
